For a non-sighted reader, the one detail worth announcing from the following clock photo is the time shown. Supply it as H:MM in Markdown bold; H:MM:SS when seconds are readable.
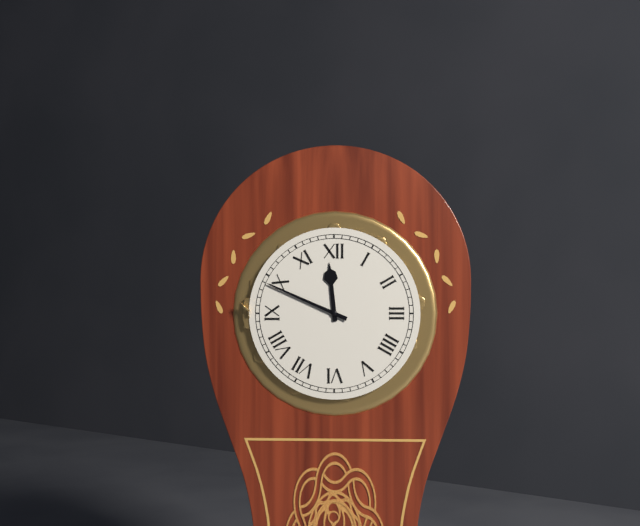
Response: **11:49**
